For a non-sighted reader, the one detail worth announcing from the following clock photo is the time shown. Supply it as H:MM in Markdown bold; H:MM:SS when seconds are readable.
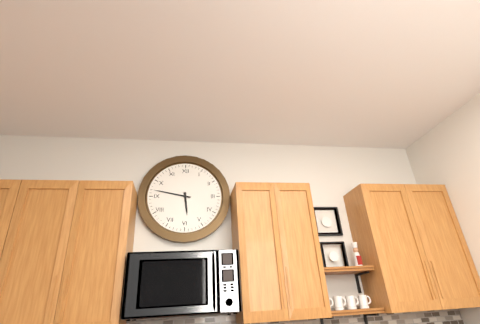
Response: **5:47**
